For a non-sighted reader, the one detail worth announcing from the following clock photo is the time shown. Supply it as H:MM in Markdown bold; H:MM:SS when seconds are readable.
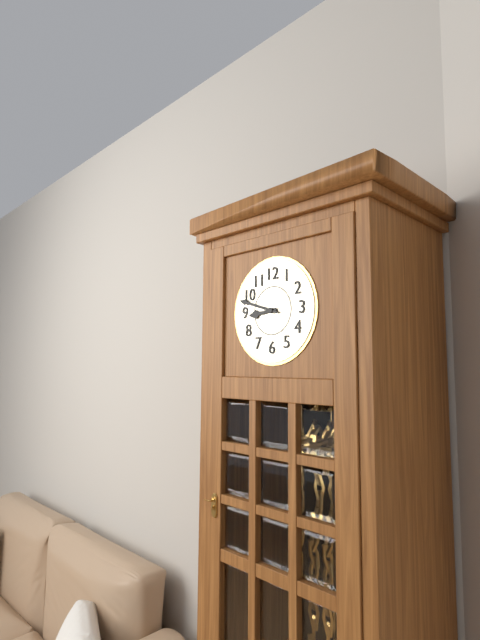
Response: **8:48**
